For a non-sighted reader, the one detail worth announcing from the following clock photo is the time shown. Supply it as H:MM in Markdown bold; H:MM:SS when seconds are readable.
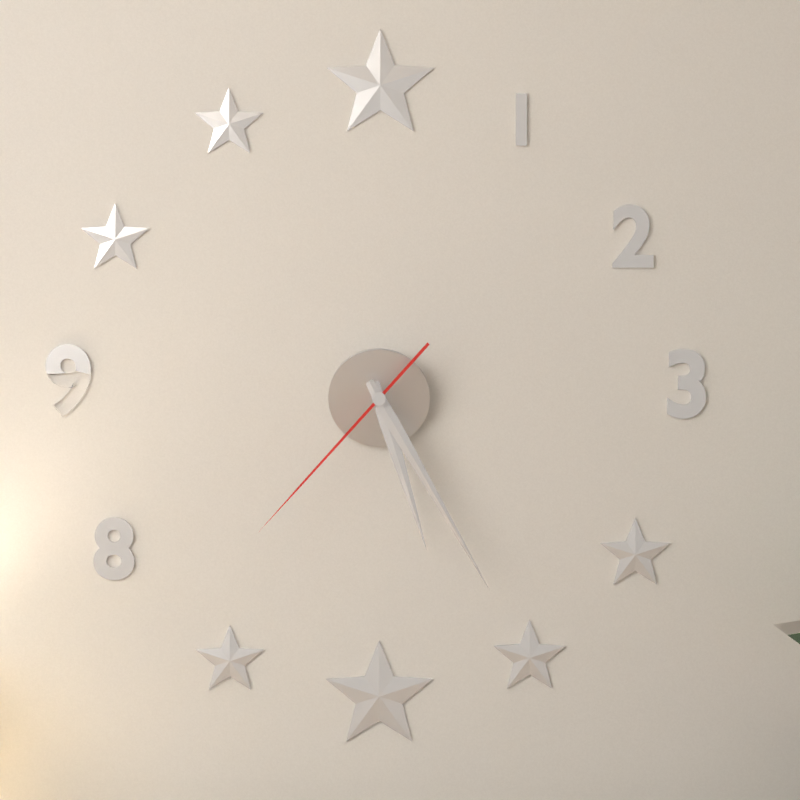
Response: **5:25:37**
